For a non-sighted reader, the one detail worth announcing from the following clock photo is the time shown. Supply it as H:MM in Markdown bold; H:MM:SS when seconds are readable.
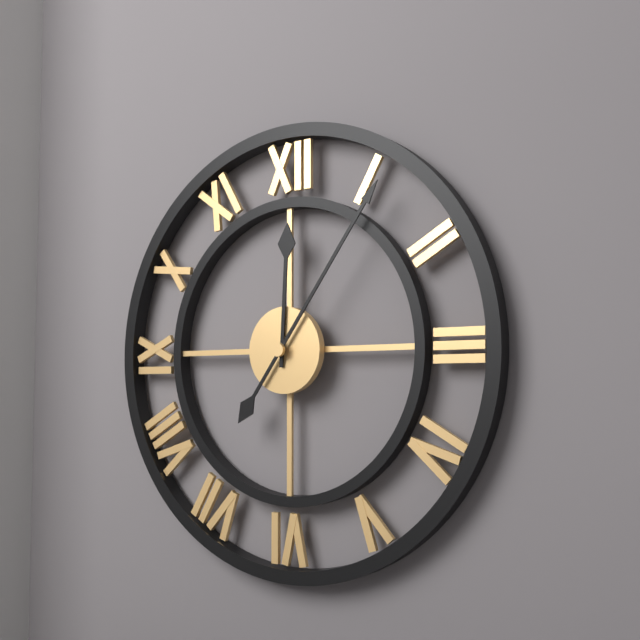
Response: **12:06**
